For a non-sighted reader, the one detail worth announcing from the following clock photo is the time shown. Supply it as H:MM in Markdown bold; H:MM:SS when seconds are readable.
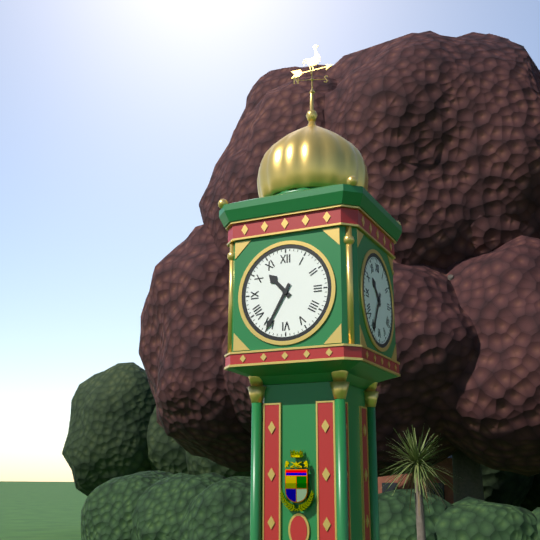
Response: **10:35**
